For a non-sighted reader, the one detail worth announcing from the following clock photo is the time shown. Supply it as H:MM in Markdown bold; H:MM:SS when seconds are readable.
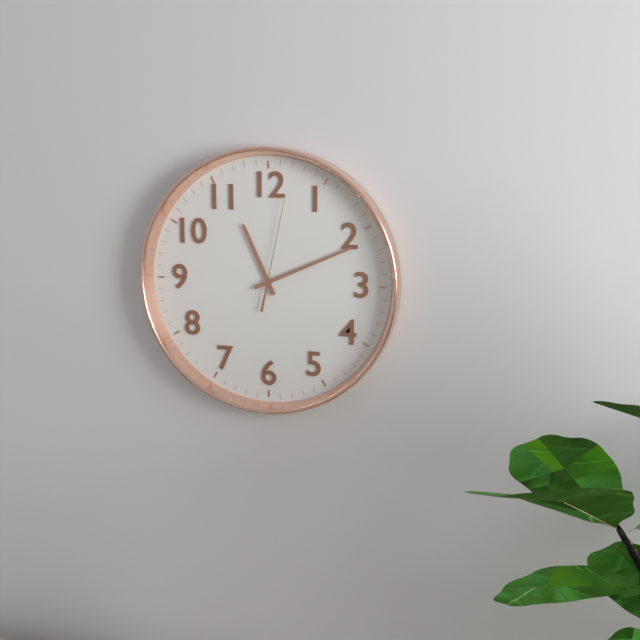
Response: **11:11:02**
